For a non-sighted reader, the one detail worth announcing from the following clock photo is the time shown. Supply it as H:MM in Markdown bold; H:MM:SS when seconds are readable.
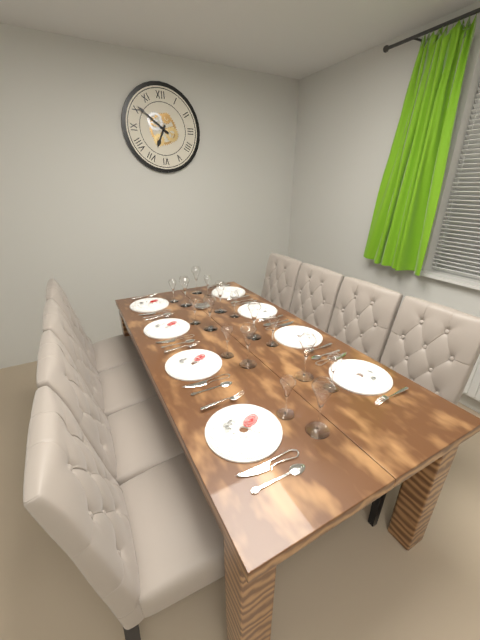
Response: **6:51**
